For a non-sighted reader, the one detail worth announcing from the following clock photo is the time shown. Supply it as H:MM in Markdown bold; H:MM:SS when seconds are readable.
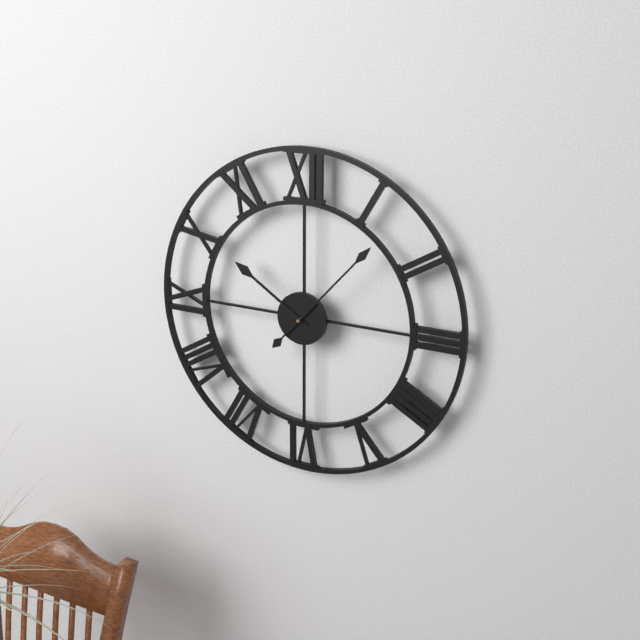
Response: **10:07**
